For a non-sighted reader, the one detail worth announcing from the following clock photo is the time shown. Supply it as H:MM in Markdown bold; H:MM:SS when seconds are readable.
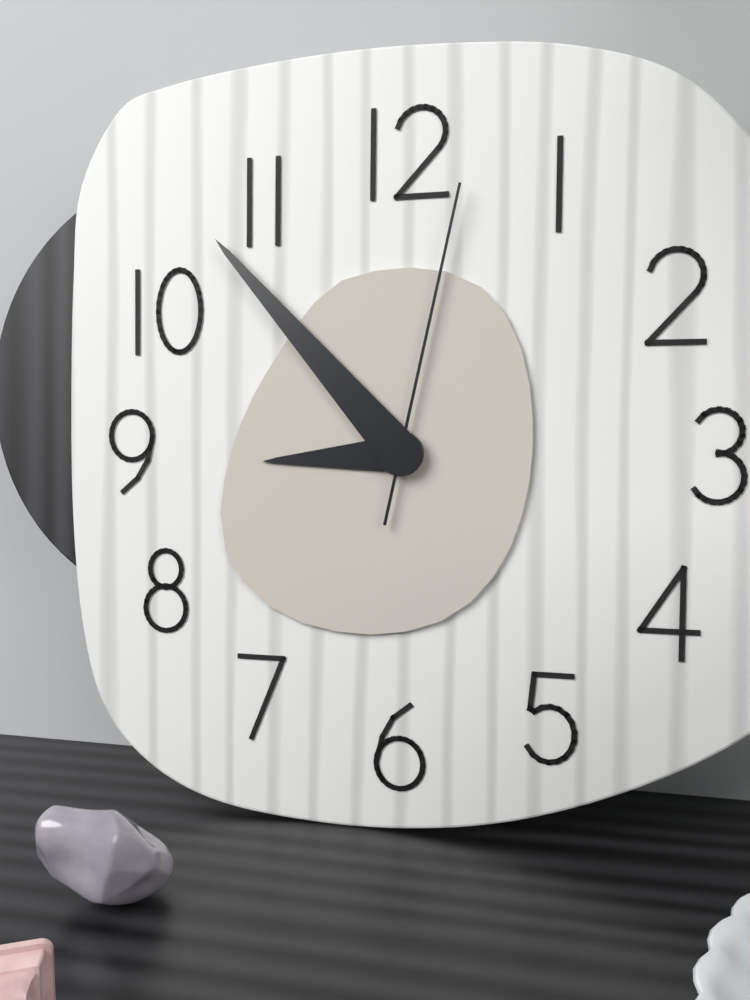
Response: **8:53:02**
